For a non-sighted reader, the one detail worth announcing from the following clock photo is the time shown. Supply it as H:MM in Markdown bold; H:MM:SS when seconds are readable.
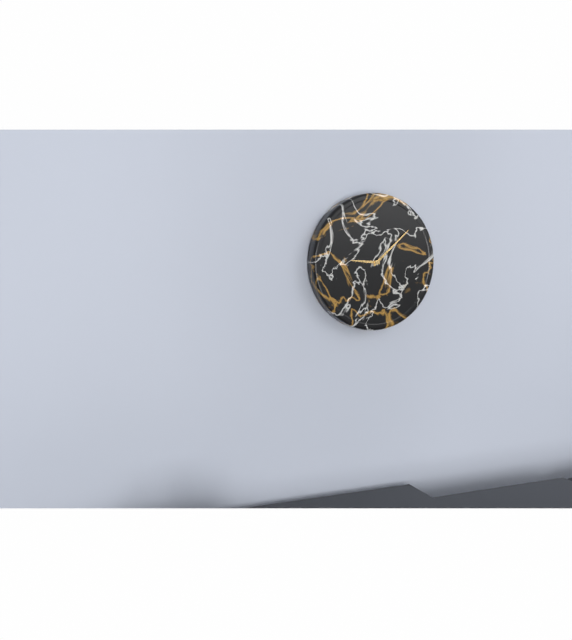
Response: **9:08**
